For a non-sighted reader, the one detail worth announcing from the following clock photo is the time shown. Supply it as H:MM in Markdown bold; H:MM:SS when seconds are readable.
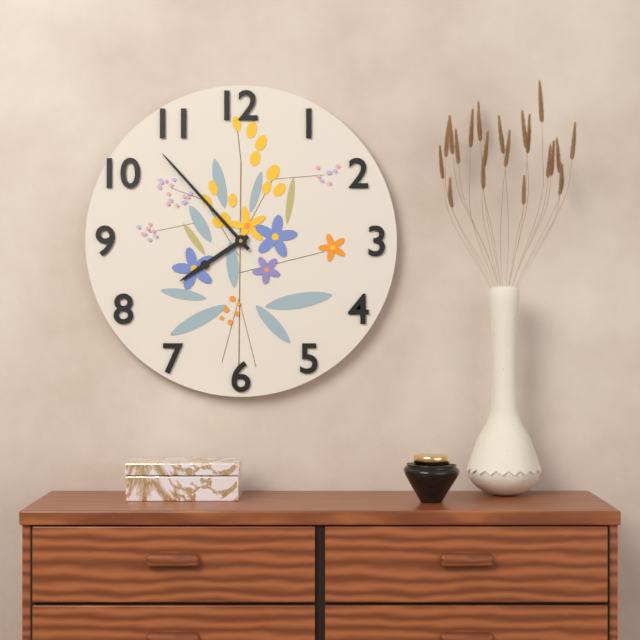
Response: **7:53**
